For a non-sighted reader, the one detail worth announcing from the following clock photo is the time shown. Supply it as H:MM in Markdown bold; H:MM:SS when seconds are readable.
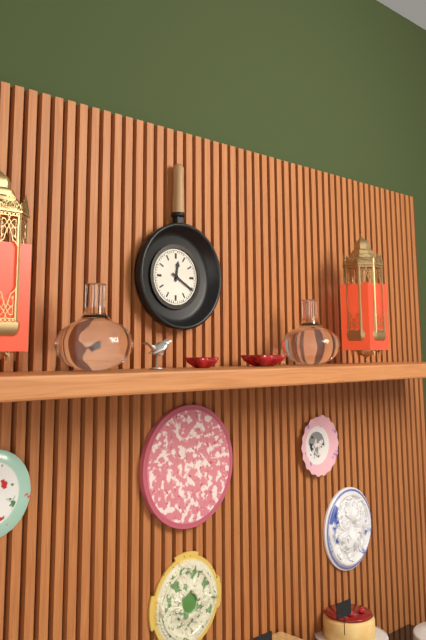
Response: **12:20**
